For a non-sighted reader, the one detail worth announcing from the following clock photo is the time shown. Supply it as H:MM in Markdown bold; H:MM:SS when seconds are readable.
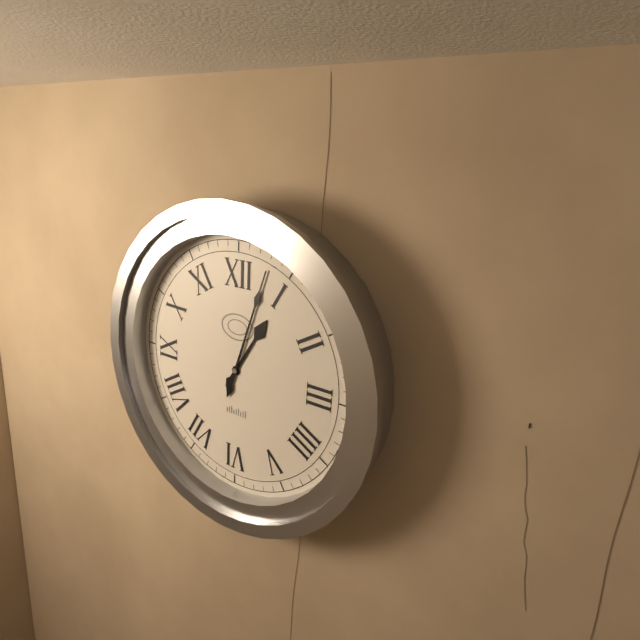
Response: **1:03**
